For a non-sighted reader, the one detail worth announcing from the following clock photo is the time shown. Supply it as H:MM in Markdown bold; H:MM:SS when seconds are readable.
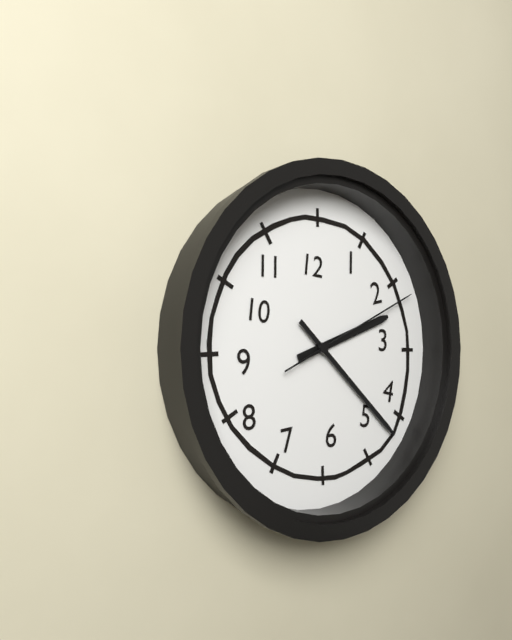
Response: **2:22:11**
